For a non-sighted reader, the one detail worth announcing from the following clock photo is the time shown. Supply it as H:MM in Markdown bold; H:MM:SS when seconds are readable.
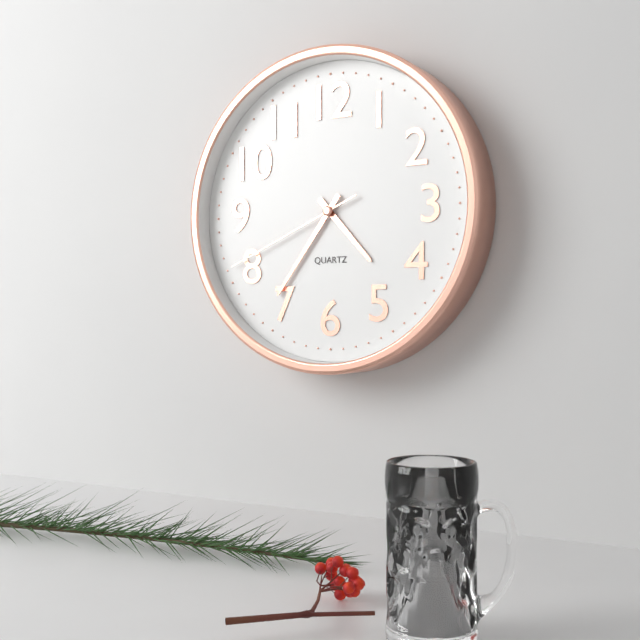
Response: **4:36:41**
